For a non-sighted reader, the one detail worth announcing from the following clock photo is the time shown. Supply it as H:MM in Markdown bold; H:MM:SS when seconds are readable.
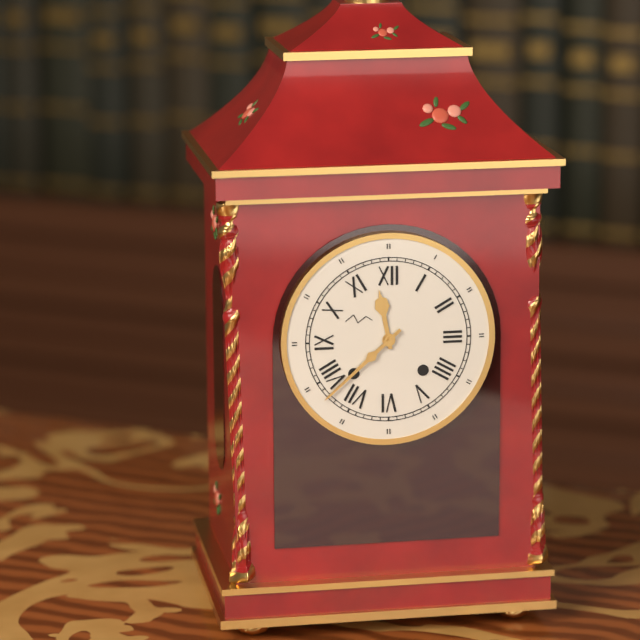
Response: **11:38**
